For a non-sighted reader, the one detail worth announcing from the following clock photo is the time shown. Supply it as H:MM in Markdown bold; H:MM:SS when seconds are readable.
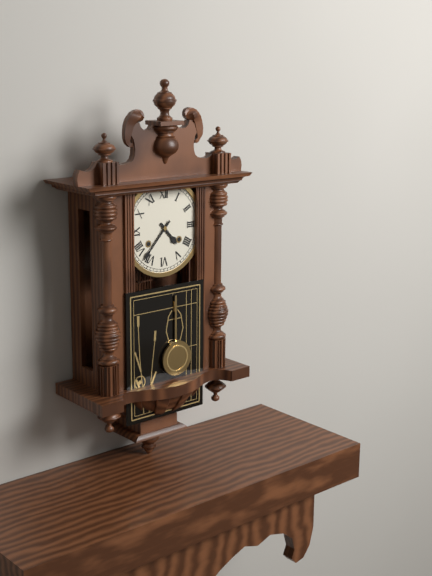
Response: **4:37**
